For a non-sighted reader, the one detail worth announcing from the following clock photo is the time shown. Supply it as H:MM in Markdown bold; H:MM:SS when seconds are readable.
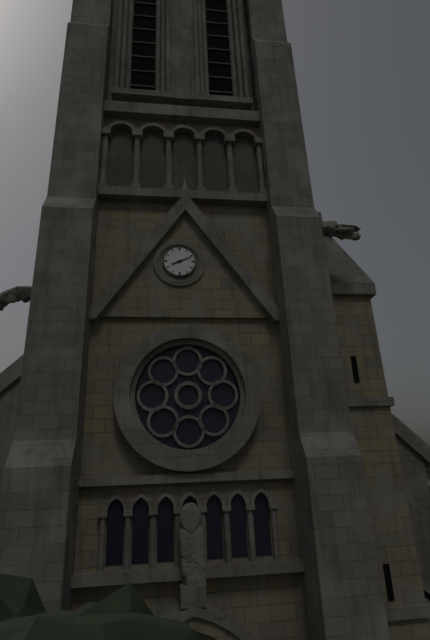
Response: **8:11**
